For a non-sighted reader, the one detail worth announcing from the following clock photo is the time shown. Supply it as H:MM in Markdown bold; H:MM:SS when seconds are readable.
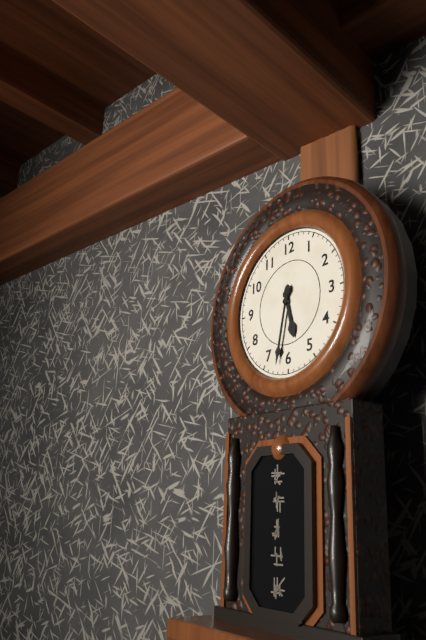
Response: **5:32**
